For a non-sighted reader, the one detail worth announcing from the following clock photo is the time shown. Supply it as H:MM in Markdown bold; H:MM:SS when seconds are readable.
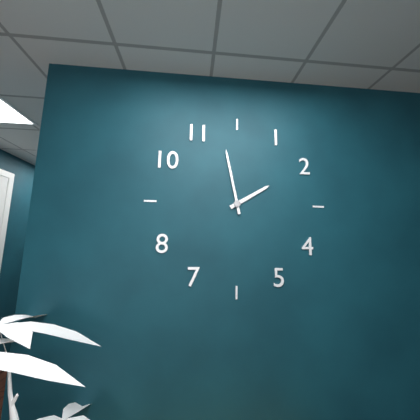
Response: **1:58**
